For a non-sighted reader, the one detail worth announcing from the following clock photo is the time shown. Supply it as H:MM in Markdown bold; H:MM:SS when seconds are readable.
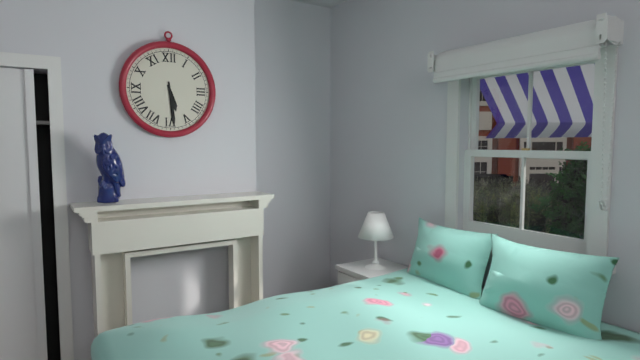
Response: **5:29**
